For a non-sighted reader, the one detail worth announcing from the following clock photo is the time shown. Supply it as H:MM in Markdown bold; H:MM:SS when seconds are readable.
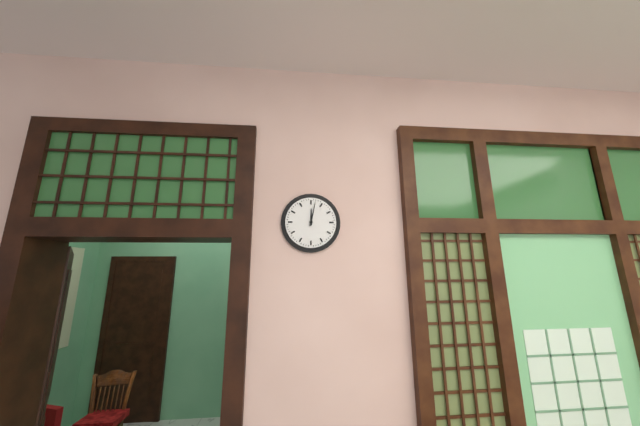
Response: **12:02**
